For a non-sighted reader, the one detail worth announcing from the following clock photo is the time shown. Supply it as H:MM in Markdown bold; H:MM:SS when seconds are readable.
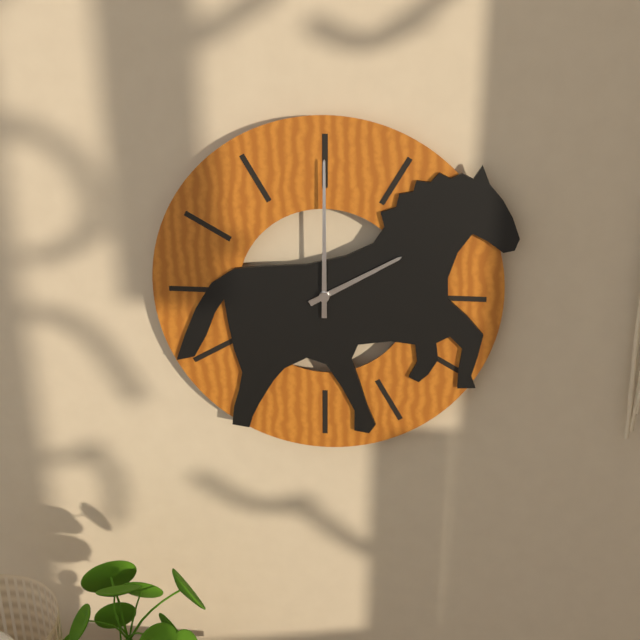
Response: **2:00**
